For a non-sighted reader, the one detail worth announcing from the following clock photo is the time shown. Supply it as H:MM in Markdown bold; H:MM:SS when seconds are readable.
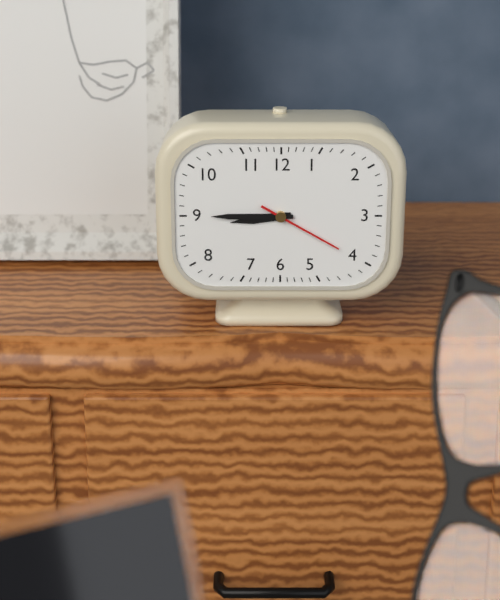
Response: **8:45:20**
